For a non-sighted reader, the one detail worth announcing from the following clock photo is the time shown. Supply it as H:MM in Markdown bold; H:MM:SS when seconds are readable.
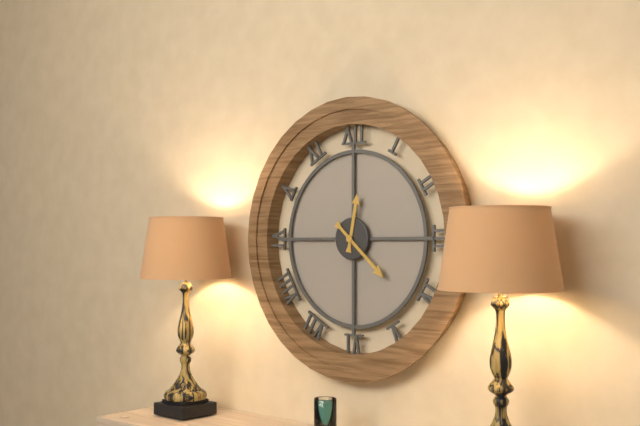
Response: **12:22**
